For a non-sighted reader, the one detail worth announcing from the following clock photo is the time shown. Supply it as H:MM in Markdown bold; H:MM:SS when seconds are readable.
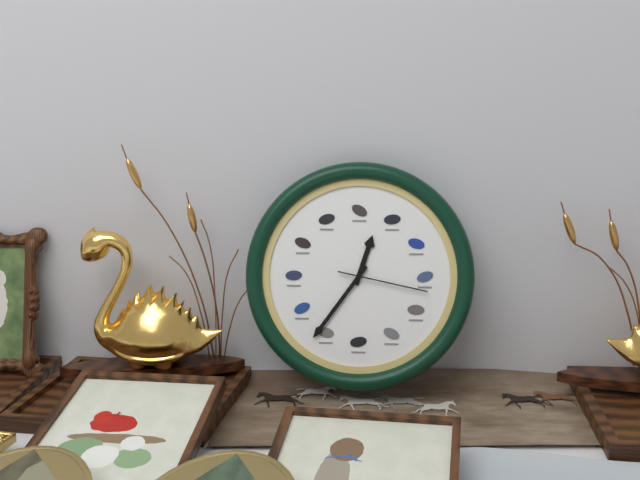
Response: **12:36:17**
